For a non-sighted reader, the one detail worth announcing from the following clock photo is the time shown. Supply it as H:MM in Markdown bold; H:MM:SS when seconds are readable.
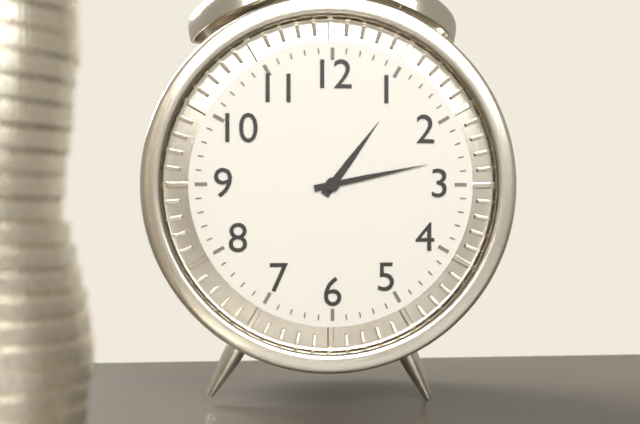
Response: **1:13**
